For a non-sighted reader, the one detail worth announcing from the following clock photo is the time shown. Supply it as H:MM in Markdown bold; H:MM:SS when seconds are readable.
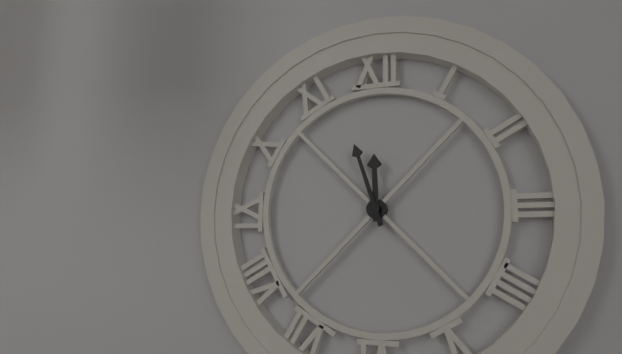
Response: **11:57**
